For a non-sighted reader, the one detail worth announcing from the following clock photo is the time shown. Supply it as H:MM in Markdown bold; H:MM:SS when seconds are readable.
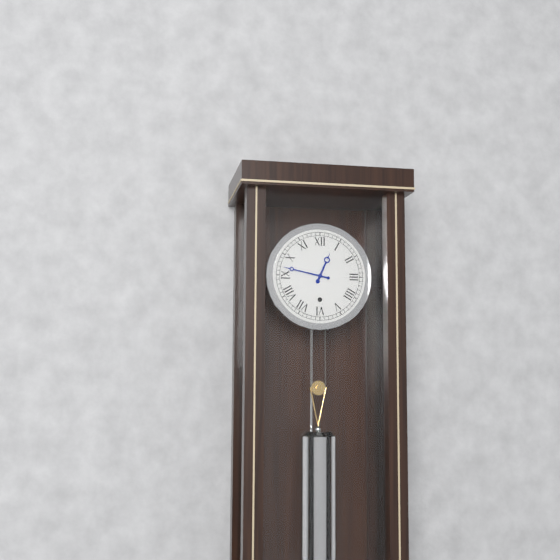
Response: **12:47**
